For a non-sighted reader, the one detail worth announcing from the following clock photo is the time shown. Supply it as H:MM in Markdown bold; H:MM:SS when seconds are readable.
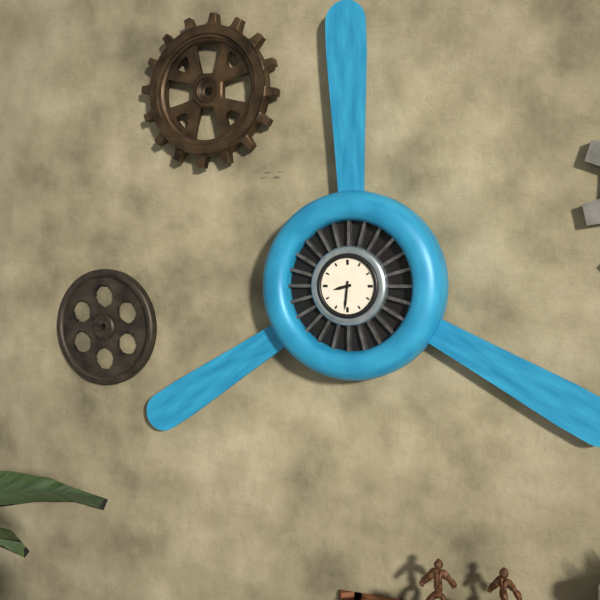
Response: **8:31**
